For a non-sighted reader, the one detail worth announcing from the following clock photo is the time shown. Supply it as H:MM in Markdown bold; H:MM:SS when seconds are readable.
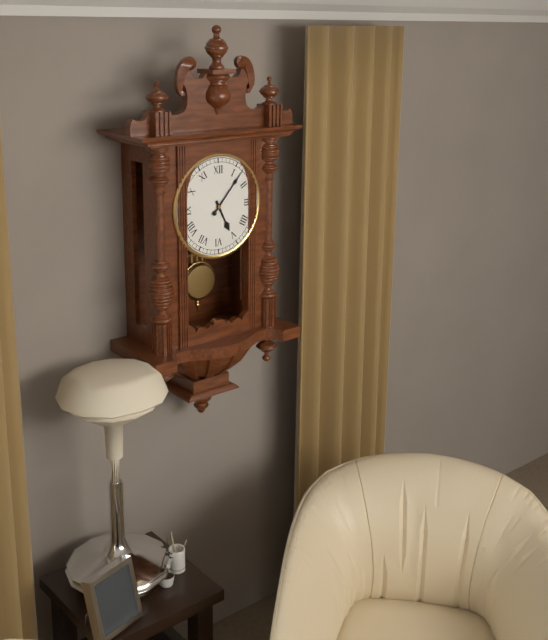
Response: **5:07**
